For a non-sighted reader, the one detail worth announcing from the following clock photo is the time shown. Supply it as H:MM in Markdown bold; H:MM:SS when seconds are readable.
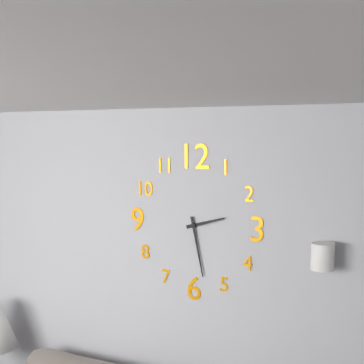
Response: **2:28**
